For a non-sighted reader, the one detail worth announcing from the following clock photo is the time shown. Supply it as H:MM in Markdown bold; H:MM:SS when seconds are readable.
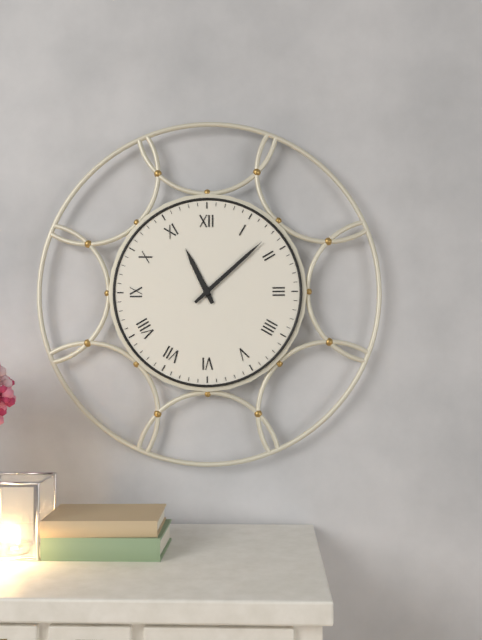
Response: **11:08**
